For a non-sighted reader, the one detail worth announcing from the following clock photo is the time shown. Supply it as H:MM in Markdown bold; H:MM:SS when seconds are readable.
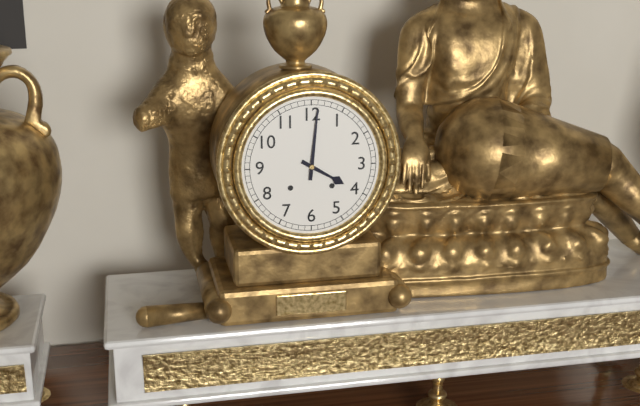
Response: **4:01**
